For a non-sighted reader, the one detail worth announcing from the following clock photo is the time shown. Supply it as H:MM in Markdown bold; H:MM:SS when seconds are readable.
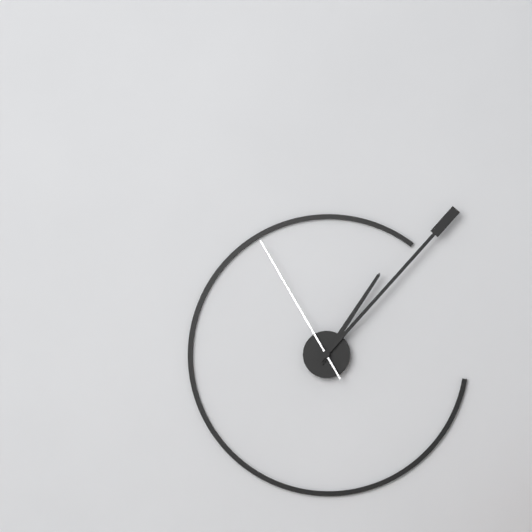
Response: **1:07:55**
